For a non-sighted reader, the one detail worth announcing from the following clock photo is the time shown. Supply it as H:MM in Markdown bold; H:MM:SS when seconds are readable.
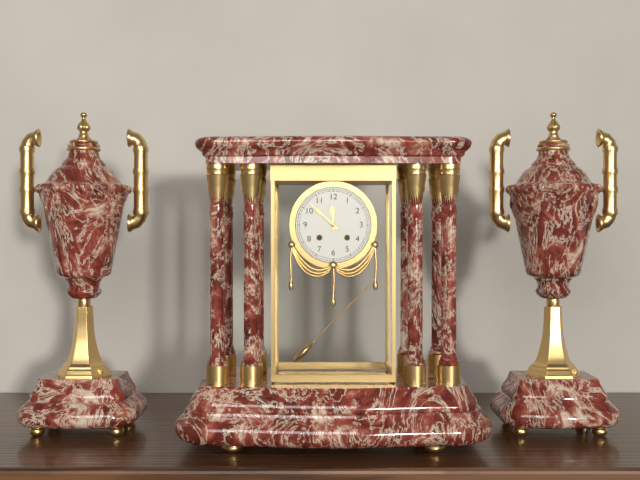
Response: **11:52**
